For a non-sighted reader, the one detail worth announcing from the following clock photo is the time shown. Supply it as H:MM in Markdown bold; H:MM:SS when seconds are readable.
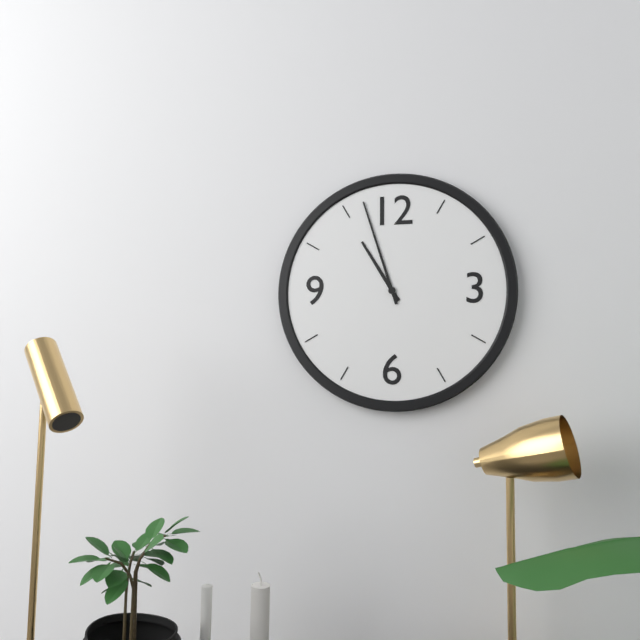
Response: **10:57**
